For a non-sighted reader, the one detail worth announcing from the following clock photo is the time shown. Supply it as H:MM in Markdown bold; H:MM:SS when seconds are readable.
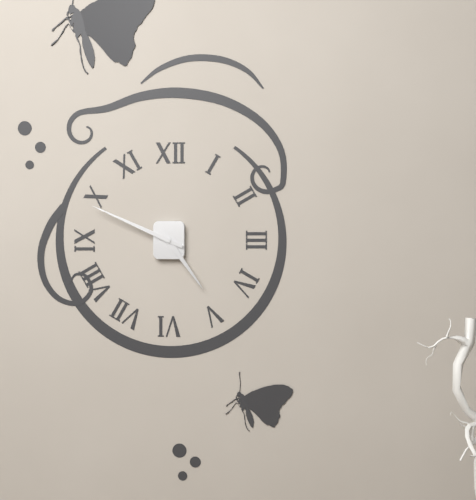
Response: **4:49**
